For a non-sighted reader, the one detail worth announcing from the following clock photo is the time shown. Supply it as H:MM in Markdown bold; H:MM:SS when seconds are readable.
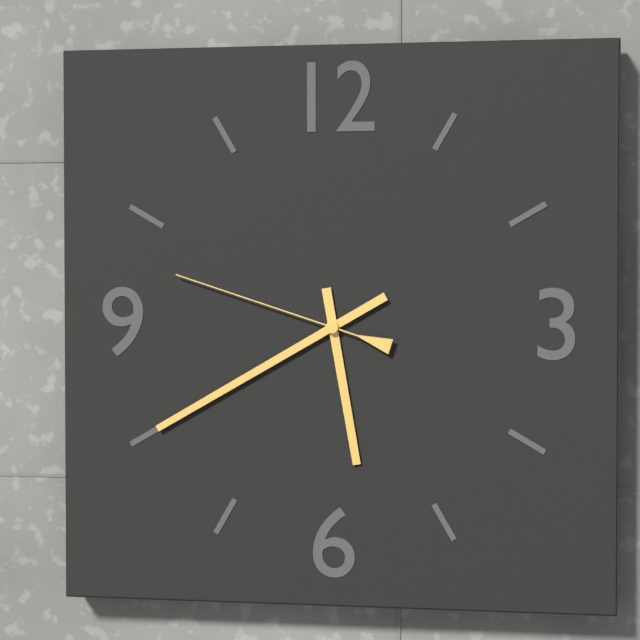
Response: **5:40:48**
